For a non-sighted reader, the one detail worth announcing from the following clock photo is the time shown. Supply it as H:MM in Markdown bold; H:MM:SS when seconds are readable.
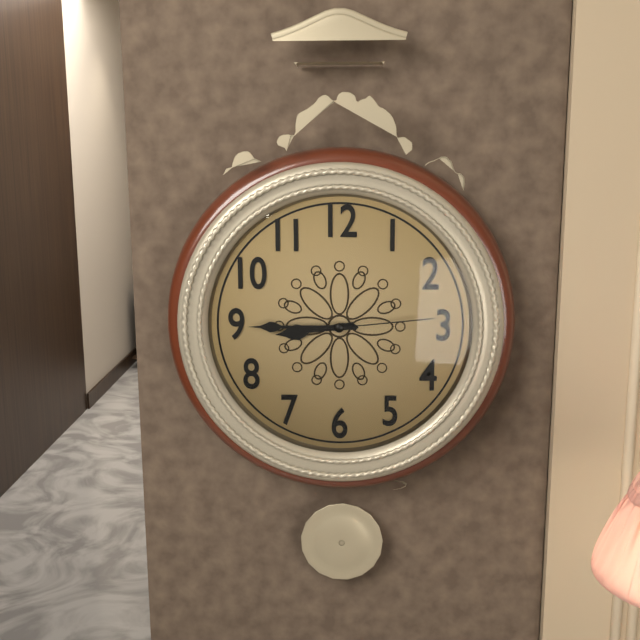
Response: **8:45:14**
